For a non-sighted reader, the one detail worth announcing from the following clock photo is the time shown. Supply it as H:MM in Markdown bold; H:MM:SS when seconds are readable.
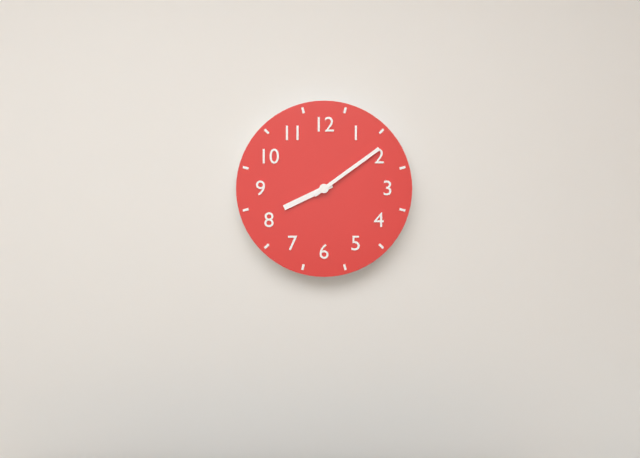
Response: **8:09**
